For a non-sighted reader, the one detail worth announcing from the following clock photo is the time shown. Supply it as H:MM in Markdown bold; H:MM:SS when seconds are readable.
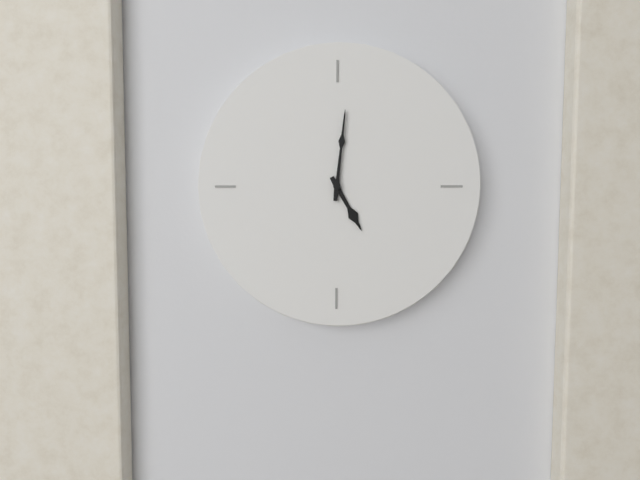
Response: **5:01**
